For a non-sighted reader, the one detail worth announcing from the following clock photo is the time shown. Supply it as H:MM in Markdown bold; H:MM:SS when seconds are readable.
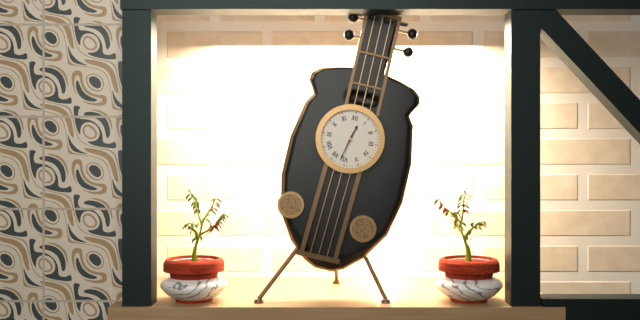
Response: **12:32**
